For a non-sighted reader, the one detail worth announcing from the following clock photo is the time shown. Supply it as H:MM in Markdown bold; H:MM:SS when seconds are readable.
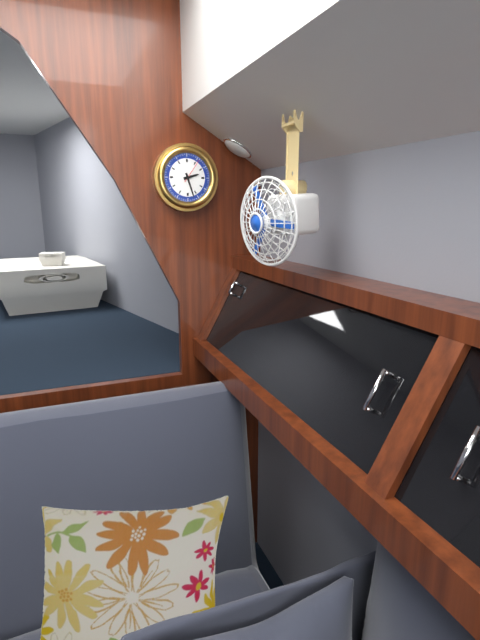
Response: **2:27**
